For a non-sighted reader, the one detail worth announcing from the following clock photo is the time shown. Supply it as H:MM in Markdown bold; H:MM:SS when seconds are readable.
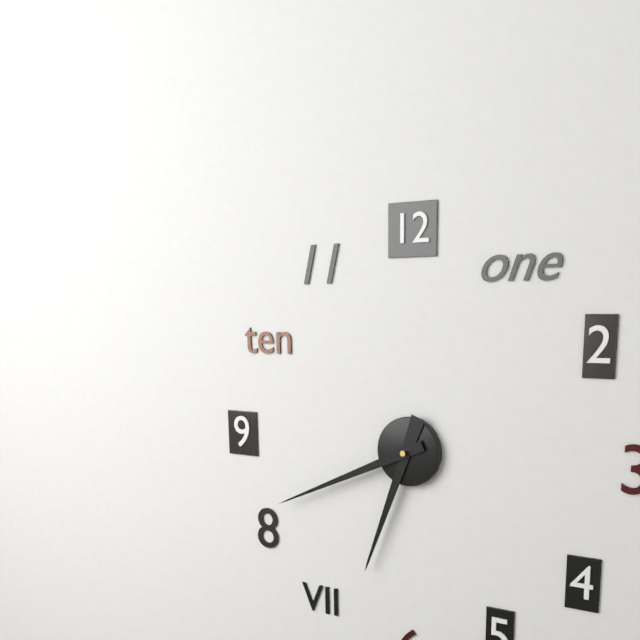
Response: **6:41**
